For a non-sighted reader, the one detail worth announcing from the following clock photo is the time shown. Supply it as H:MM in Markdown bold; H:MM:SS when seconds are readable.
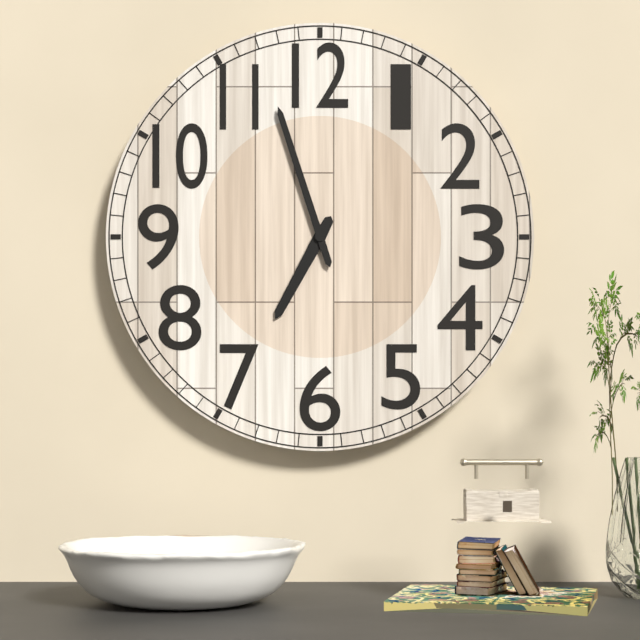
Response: **6:57**
